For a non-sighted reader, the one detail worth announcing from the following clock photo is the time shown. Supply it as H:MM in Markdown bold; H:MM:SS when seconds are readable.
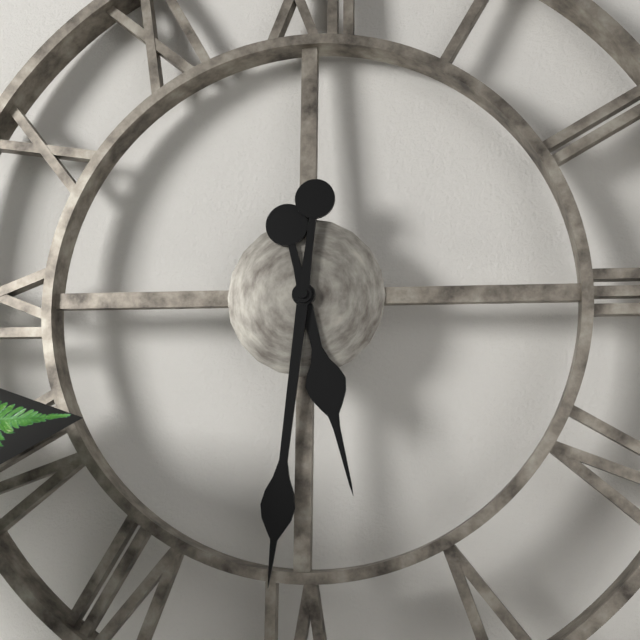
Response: **5:31**
